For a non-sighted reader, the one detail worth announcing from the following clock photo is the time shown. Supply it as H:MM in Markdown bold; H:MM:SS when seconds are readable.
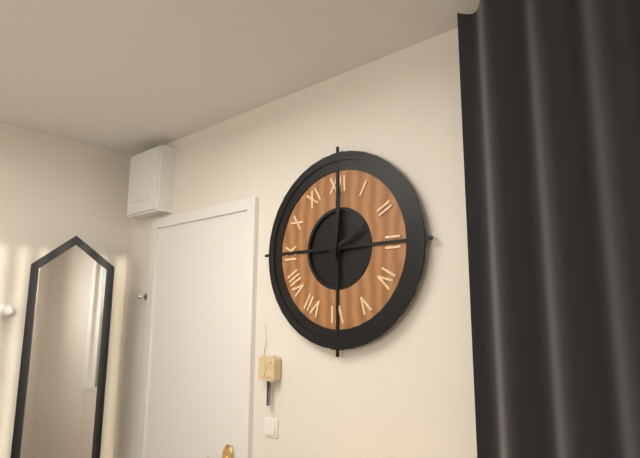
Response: **2:01**
